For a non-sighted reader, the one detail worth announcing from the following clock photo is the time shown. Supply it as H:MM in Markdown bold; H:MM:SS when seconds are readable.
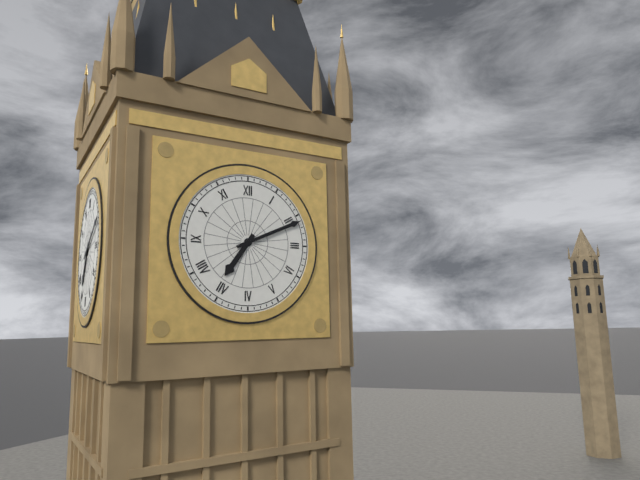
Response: **7:11**
